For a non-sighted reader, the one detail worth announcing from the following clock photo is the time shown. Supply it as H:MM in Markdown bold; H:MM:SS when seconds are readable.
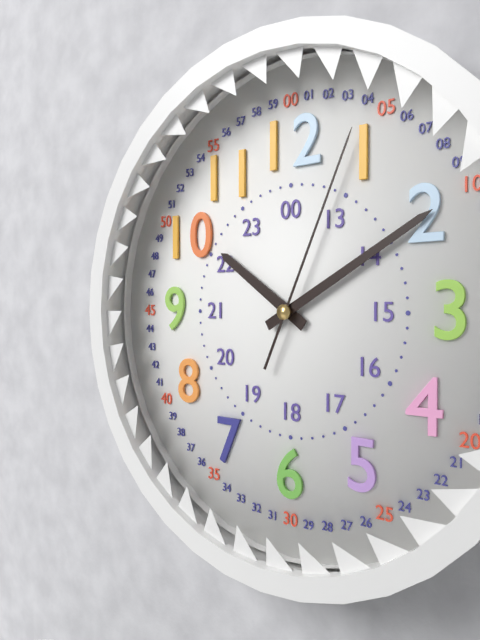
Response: **10:10:04**
